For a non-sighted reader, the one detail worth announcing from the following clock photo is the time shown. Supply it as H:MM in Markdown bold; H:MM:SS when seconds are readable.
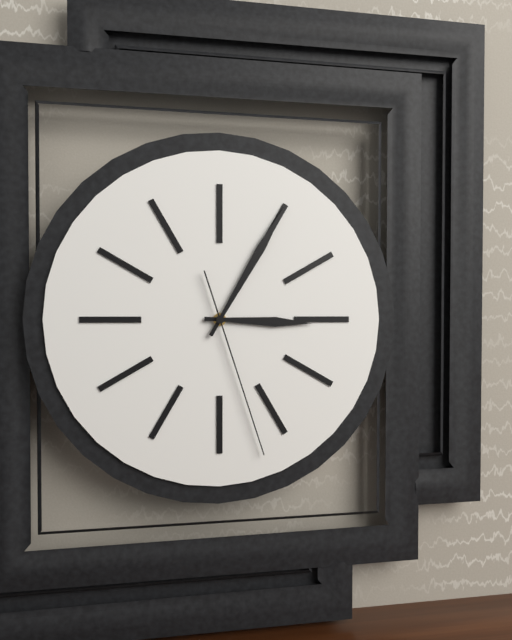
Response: **3:05:27**
